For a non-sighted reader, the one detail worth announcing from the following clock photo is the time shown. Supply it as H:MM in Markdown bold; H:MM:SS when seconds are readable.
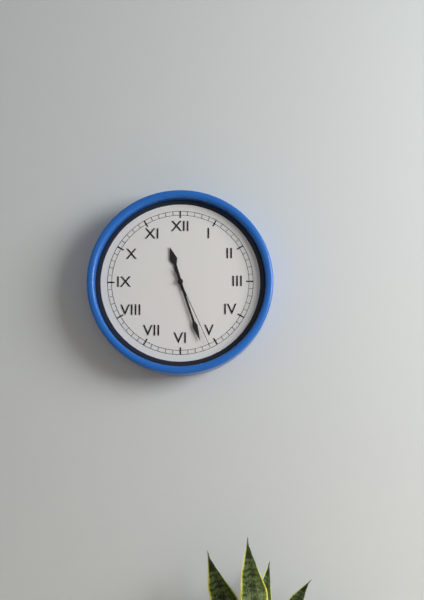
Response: **11:27:26**
